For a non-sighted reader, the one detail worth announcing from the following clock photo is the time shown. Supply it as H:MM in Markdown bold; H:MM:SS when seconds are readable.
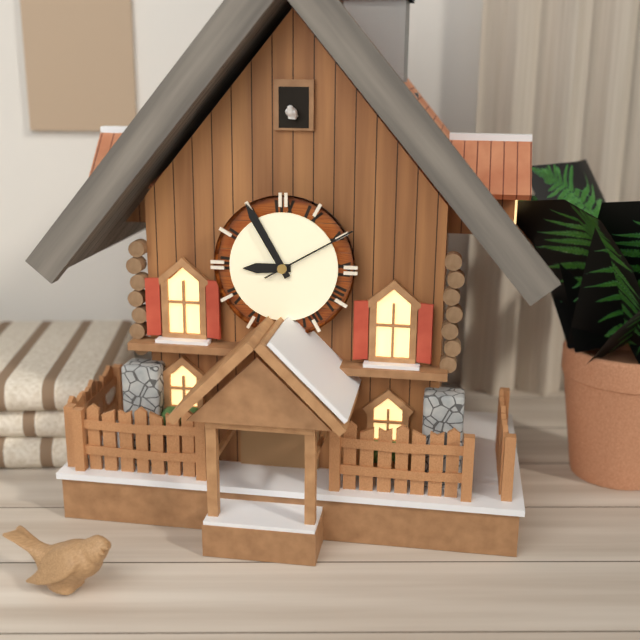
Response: **8:55:10**
